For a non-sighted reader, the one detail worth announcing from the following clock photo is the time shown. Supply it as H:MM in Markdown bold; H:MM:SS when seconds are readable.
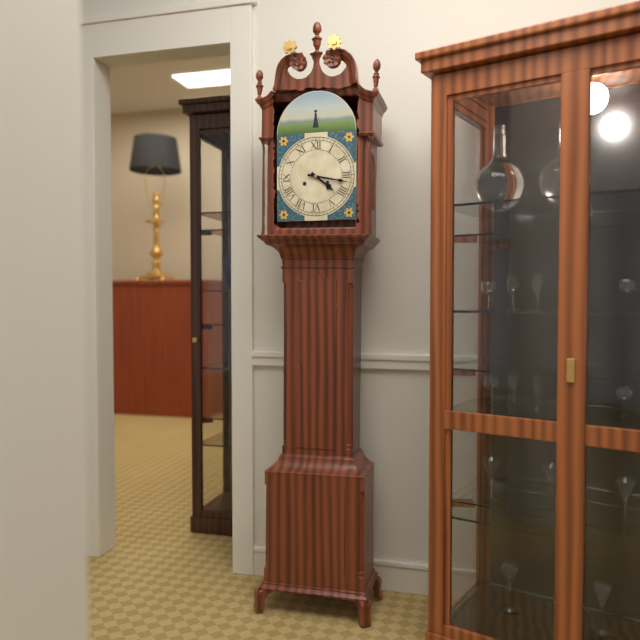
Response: **4:17**
